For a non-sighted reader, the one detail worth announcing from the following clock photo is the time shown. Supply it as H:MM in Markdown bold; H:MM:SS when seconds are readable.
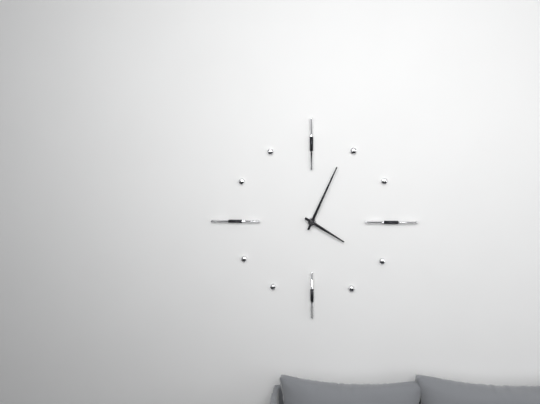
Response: **4:04**
